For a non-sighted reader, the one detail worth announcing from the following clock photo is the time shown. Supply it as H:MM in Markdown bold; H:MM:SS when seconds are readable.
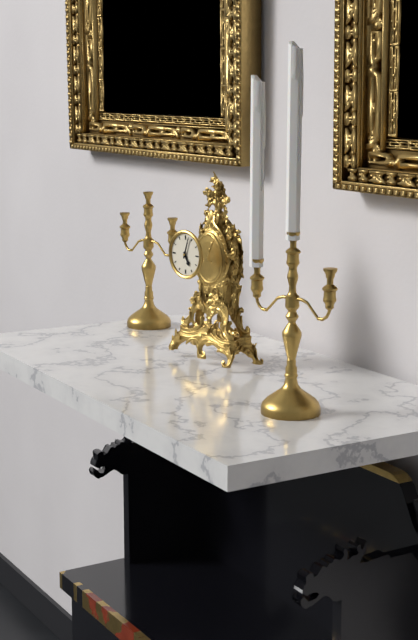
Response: **5:03**
